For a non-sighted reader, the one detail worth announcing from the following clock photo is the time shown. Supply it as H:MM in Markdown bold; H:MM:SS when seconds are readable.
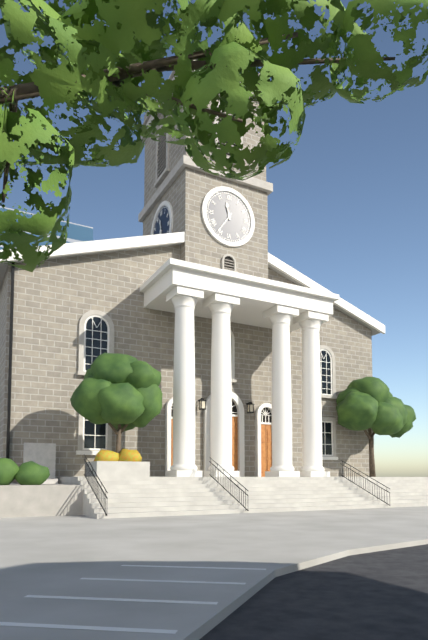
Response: **11:36**
